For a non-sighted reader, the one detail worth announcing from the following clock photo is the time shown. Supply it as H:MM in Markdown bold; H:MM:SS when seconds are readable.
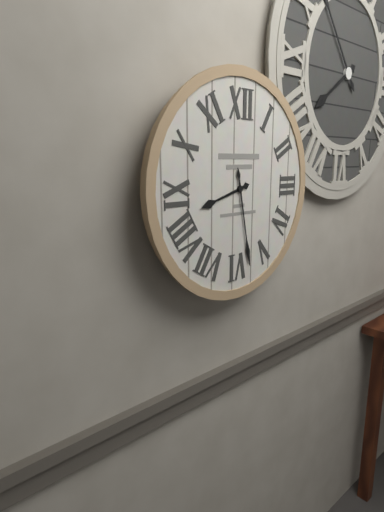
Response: **8:28**
